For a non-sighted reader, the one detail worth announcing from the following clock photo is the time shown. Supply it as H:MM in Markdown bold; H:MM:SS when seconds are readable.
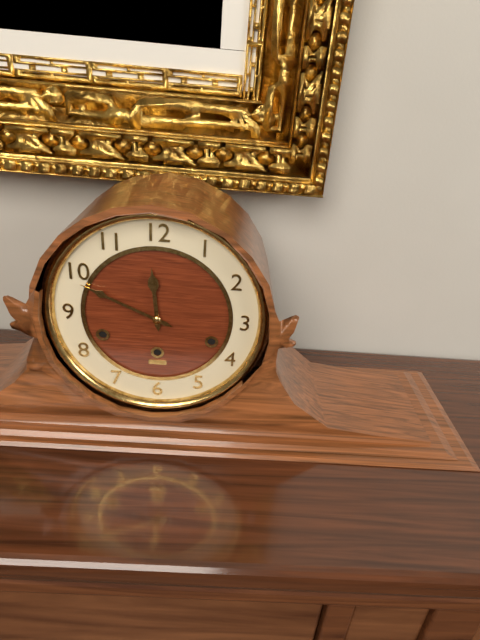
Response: **11:49**
